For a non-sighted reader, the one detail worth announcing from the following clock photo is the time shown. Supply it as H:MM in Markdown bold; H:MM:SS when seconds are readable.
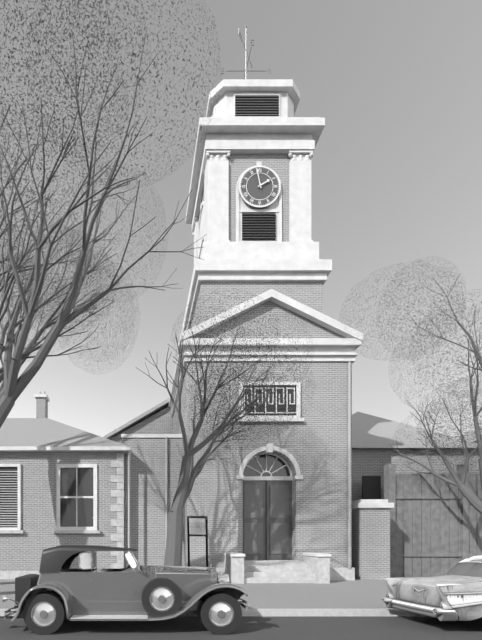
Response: **1:58**
